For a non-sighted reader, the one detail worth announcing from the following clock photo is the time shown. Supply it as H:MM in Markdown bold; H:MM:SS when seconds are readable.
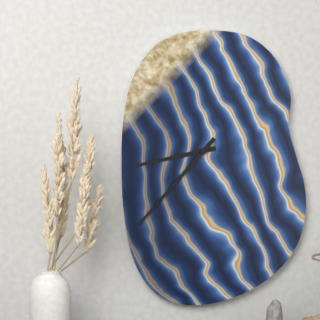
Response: **8:37**
